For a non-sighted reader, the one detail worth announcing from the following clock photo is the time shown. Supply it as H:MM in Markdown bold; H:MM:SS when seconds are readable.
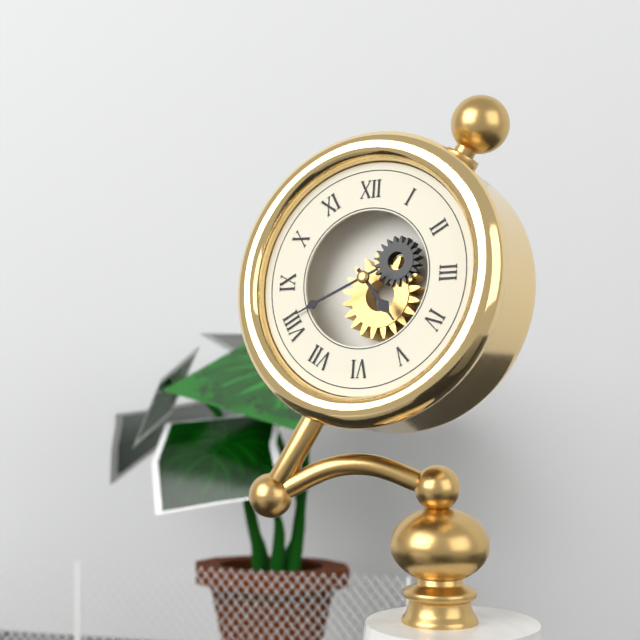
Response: **4:41**
